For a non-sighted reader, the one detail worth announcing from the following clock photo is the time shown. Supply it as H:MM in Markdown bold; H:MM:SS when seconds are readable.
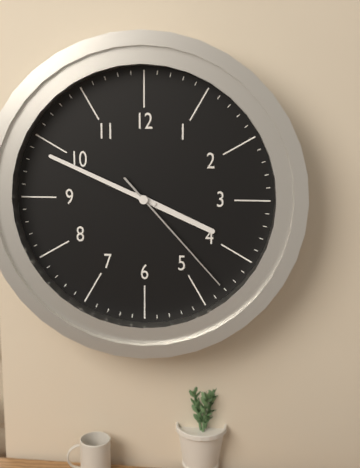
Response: **3:49:23**
